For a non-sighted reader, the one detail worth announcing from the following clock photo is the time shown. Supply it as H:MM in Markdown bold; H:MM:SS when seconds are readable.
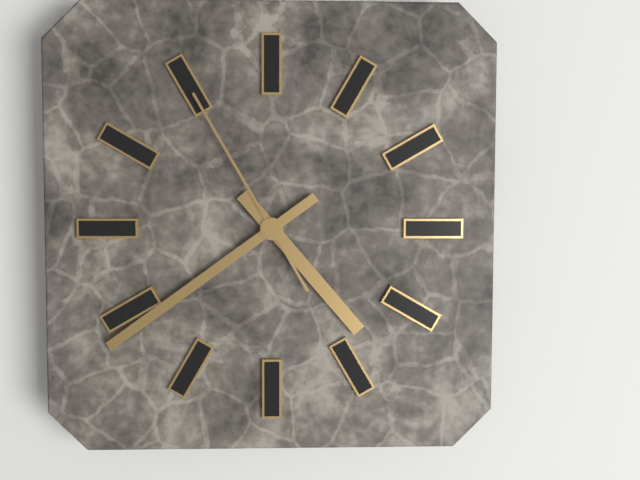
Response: **4:39:55**
